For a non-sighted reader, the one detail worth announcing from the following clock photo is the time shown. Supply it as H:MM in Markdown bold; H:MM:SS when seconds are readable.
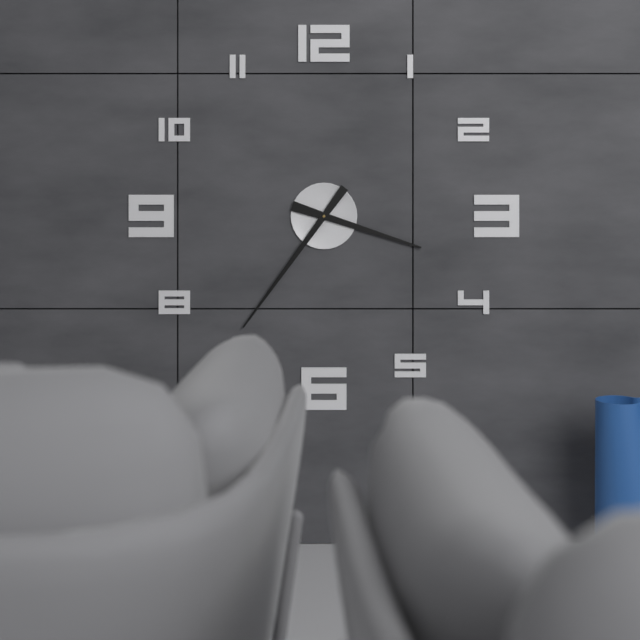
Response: **3:36**
